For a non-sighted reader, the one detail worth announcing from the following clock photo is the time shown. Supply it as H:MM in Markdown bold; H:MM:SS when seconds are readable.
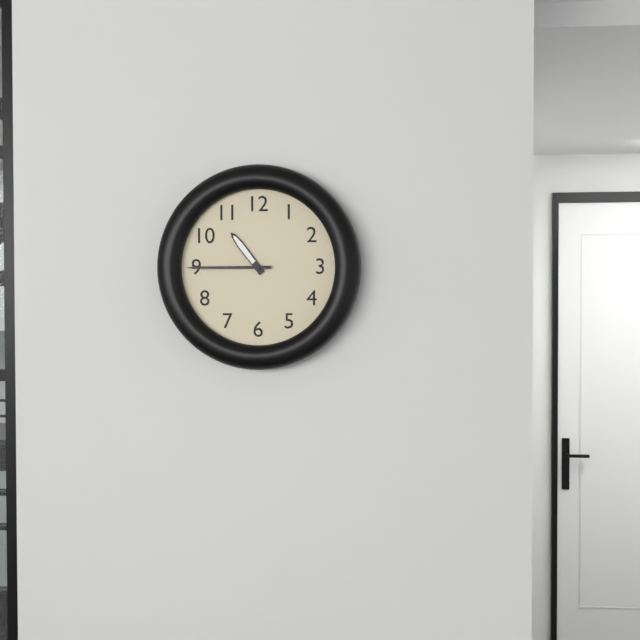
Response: **10:45**
